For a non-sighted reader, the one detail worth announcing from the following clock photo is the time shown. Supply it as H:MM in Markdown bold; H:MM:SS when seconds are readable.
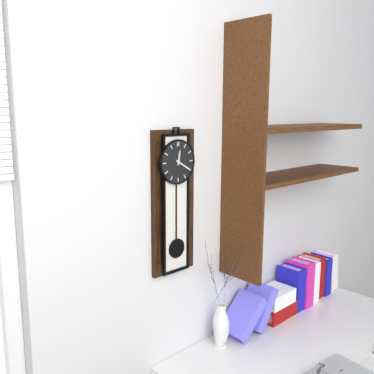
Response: **12:20**
